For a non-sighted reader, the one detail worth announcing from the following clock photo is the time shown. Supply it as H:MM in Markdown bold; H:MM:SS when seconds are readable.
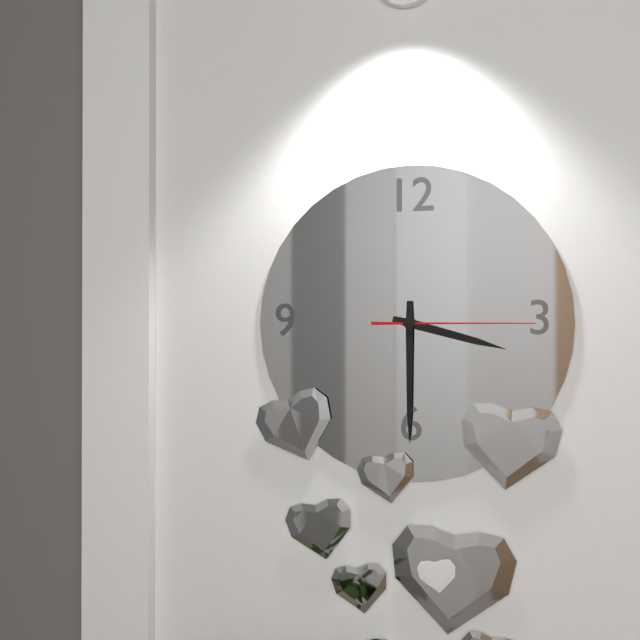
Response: **3:30:15**
